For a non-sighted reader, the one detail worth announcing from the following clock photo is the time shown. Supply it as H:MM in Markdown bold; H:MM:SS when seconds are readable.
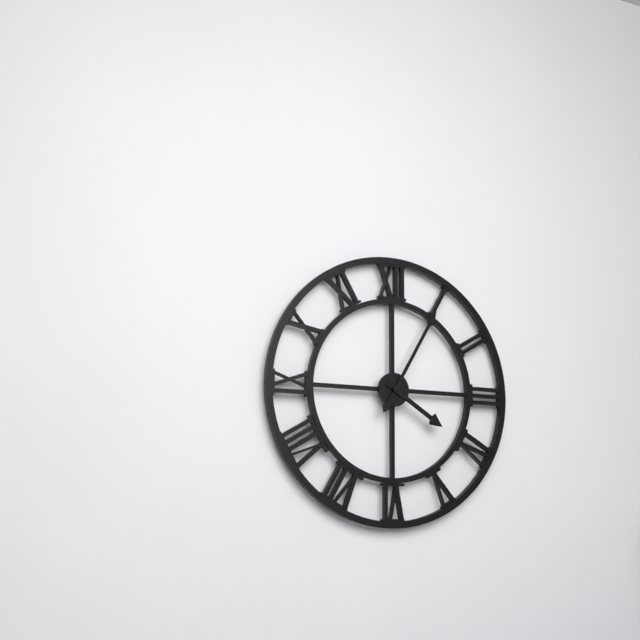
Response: **4:05**
